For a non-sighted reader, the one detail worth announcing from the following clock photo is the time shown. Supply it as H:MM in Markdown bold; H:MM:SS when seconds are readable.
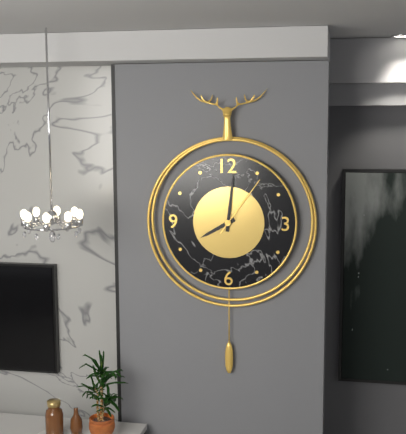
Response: **8:01:06**
